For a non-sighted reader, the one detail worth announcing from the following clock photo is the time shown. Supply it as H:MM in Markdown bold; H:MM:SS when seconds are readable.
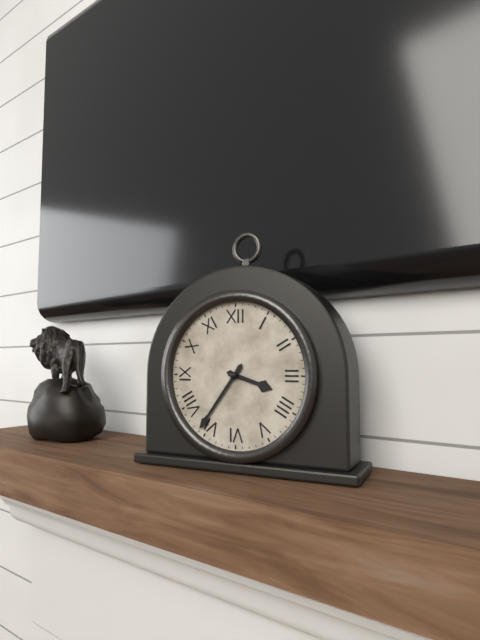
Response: **3:36**
